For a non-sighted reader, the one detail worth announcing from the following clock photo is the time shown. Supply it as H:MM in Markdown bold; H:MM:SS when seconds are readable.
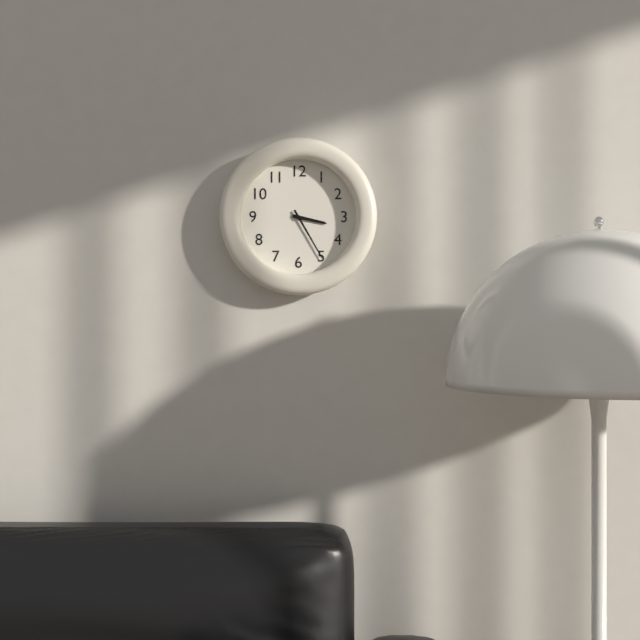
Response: **3:25**
